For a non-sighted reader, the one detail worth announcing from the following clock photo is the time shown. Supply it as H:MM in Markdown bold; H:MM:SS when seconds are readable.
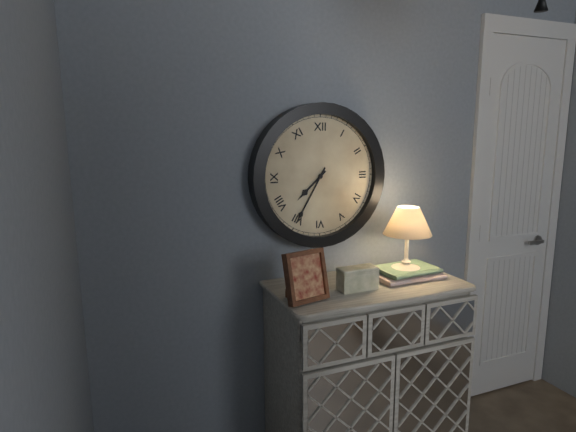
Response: **7:35**
